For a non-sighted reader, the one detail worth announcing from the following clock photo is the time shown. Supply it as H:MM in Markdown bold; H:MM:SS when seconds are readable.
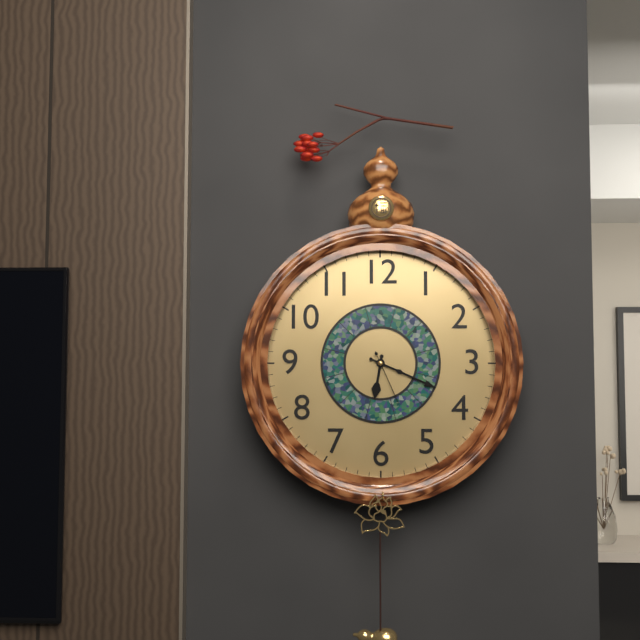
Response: **6:19:26**
